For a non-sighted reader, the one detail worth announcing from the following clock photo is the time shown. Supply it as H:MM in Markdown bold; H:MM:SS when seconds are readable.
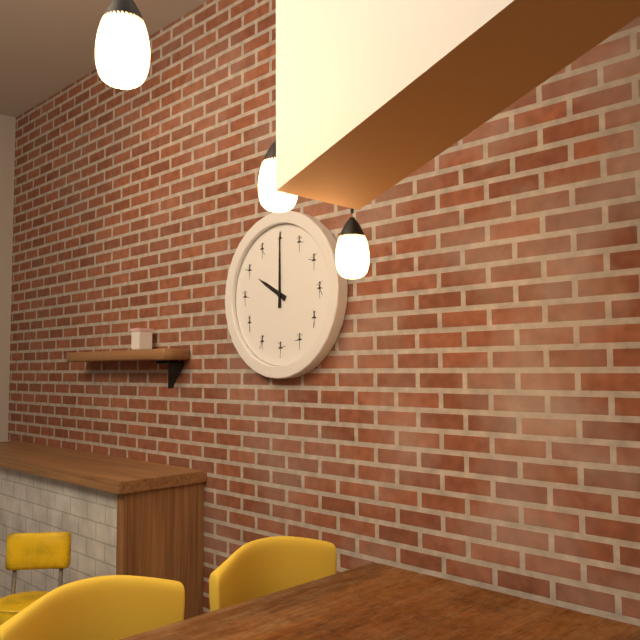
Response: **10:00**
